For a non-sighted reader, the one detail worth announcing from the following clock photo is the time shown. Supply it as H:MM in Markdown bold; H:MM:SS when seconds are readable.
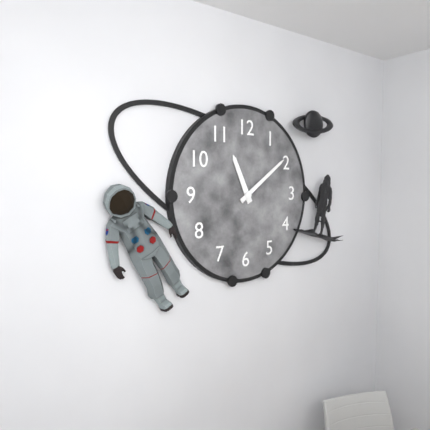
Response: **11:09**
